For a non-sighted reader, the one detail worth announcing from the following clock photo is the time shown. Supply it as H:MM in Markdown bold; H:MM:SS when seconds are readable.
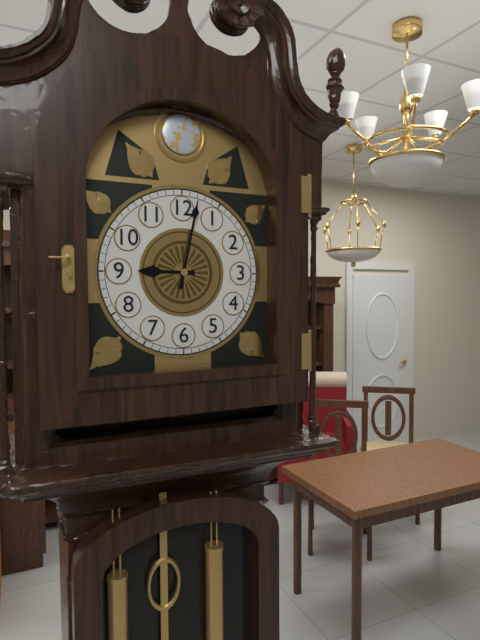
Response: **9:02**
